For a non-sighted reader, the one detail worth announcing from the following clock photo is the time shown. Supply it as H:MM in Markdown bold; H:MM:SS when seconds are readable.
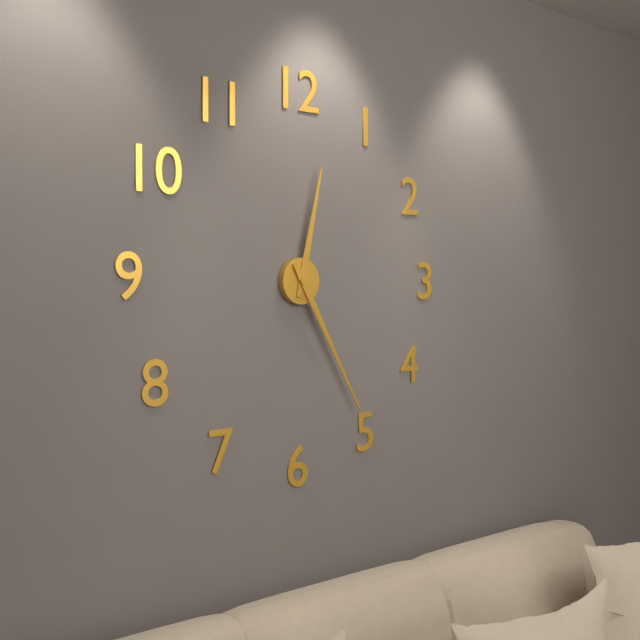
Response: **12:25**
